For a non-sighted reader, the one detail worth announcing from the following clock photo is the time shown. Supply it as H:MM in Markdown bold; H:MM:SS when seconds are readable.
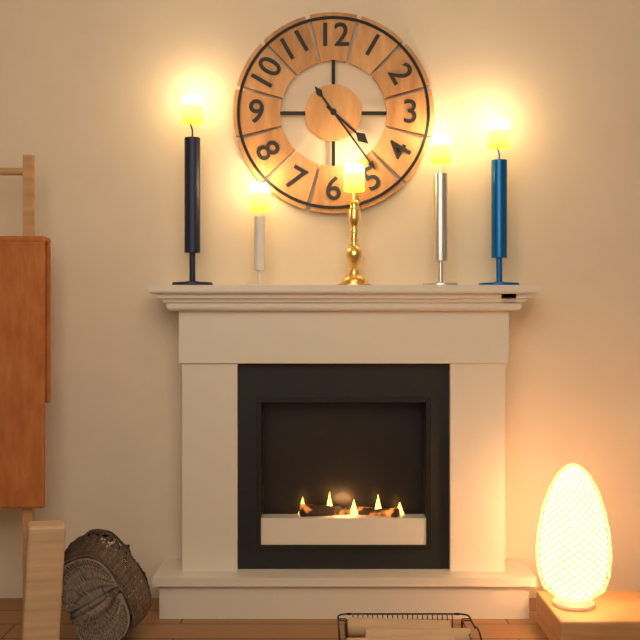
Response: **4:24**
